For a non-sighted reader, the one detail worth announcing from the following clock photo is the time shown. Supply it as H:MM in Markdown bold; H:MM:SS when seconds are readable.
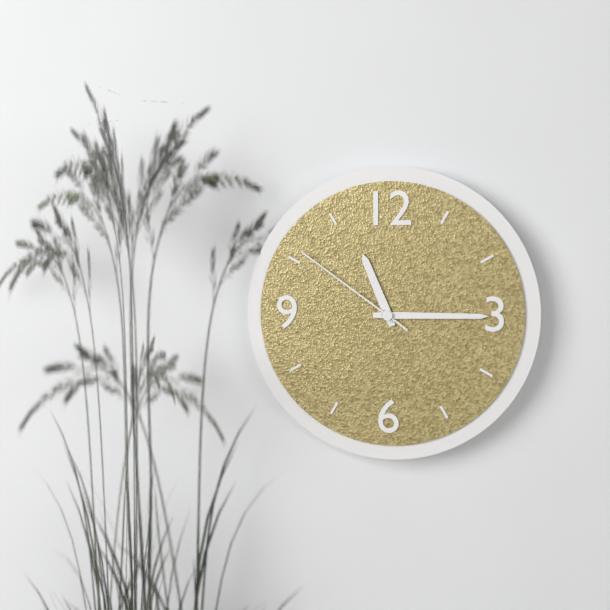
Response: **11:15:51**
